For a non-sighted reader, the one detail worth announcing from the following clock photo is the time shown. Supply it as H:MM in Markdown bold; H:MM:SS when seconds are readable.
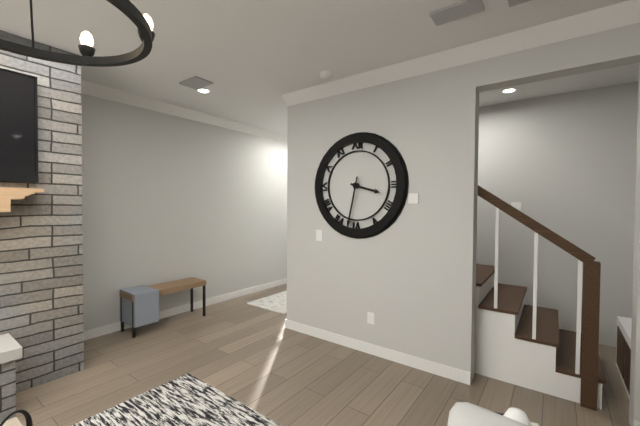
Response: **3:32**
